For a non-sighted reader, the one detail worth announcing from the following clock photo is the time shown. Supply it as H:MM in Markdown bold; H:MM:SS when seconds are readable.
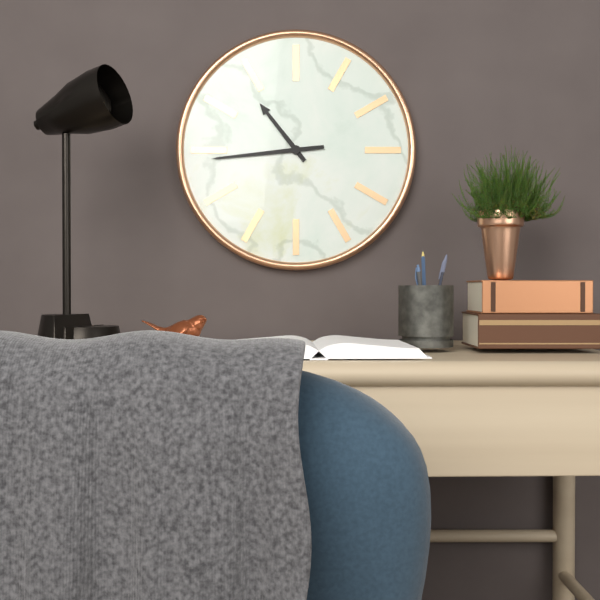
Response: **10:44**
